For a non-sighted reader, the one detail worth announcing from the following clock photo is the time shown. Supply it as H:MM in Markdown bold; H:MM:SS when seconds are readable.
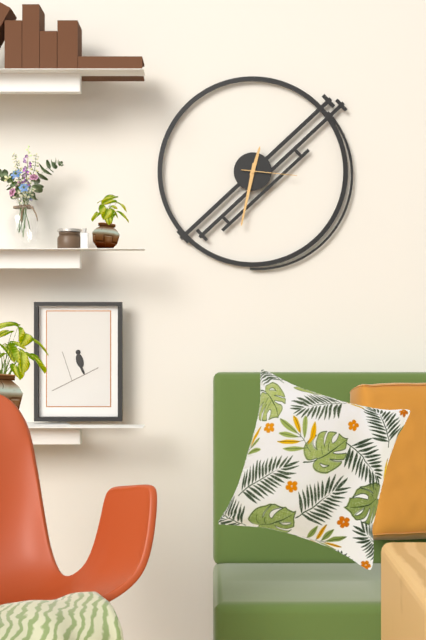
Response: **12:32:16**
